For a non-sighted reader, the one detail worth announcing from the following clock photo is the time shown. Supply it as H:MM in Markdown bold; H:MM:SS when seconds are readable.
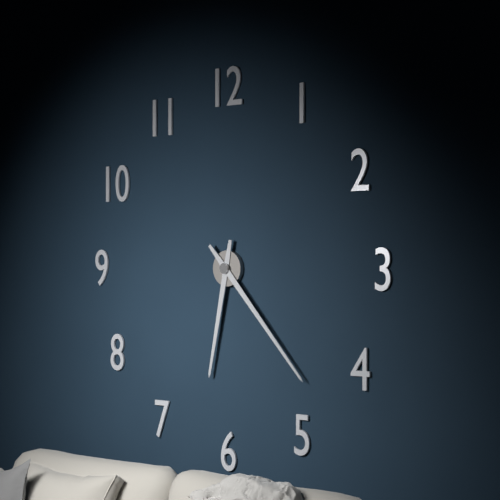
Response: **6:23**
